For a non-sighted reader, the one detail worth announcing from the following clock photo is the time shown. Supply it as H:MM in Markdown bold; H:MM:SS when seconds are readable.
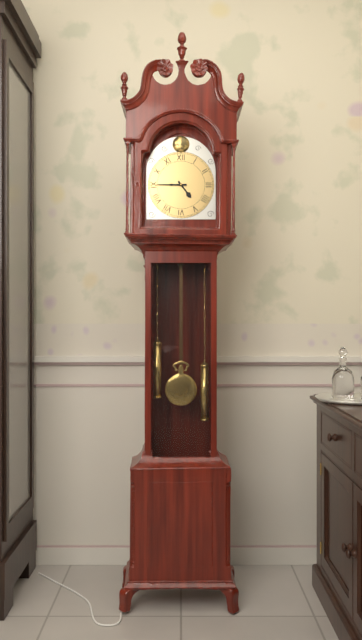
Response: **4:45**
